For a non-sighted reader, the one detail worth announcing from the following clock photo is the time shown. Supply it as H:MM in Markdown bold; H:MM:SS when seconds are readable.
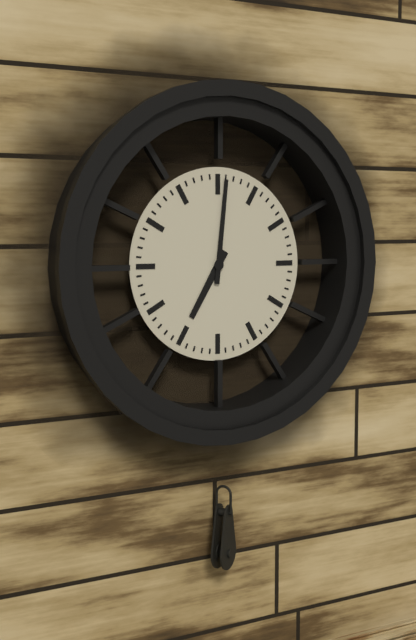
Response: **7:01**
